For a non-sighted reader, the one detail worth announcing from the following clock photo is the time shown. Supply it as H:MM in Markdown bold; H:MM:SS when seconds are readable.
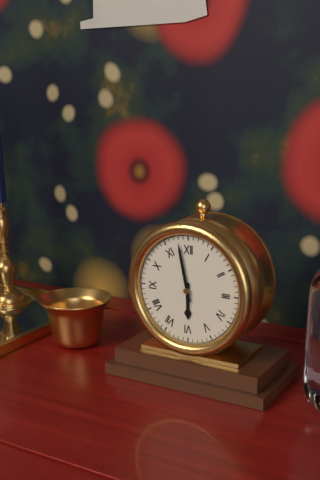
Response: **5:58**
